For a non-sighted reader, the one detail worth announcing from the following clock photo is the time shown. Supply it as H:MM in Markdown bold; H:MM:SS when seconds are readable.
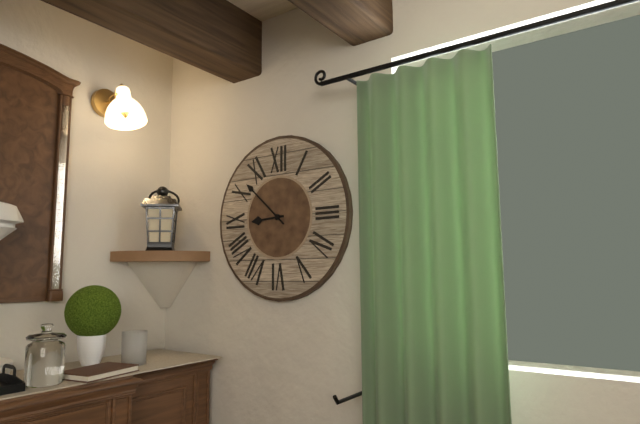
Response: **8:52**
